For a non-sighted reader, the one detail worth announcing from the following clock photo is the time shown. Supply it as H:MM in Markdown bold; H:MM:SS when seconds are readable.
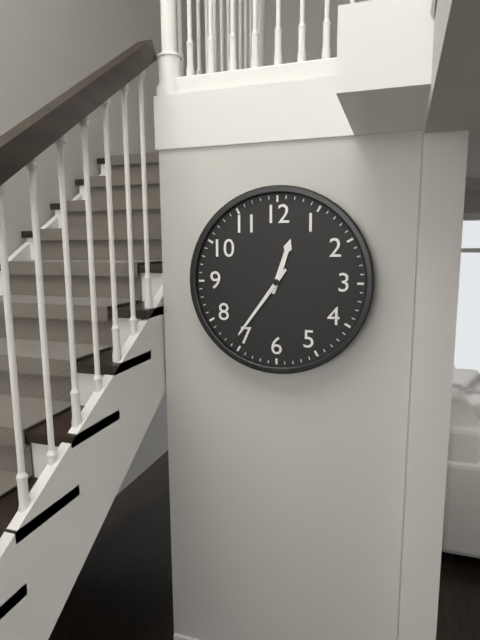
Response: **12:36**
